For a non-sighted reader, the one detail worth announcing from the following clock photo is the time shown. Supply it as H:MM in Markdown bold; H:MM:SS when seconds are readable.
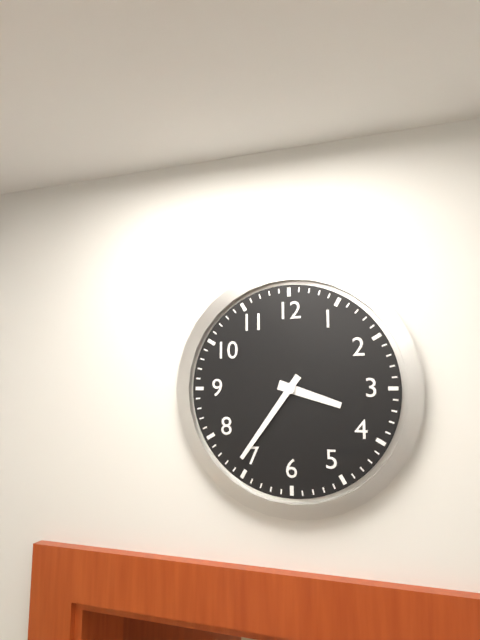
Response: **3:36**
